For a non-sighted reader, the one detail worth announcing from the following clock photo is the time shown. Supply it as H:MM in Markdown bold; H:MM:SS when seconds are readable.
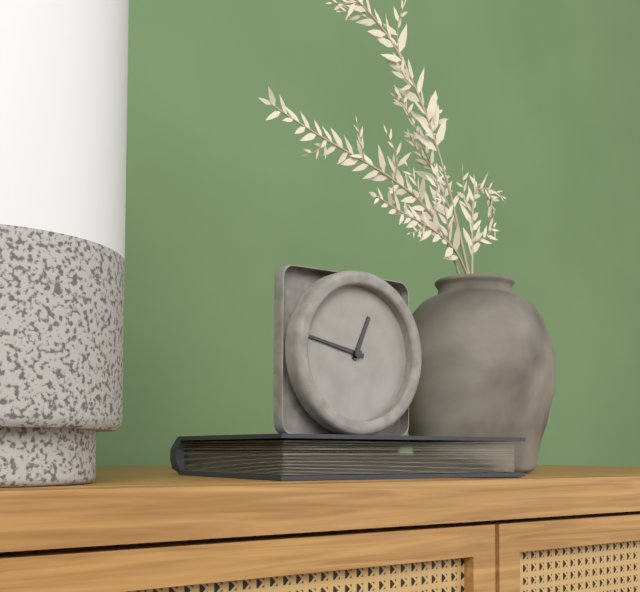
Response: **12:47**
